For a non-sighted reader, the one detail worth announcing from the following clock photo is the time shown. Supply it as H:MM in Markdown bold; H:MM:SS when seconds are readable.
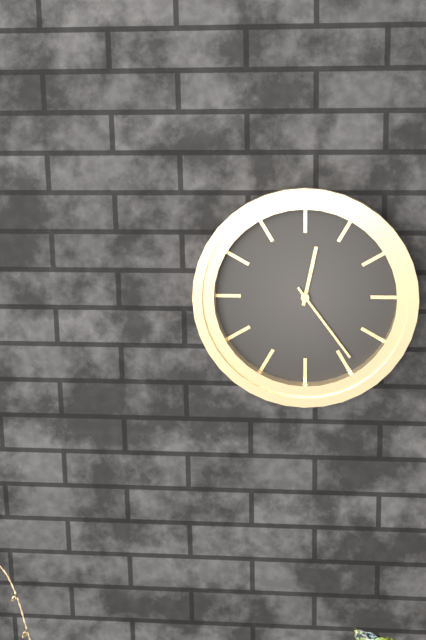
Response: **12:24**
